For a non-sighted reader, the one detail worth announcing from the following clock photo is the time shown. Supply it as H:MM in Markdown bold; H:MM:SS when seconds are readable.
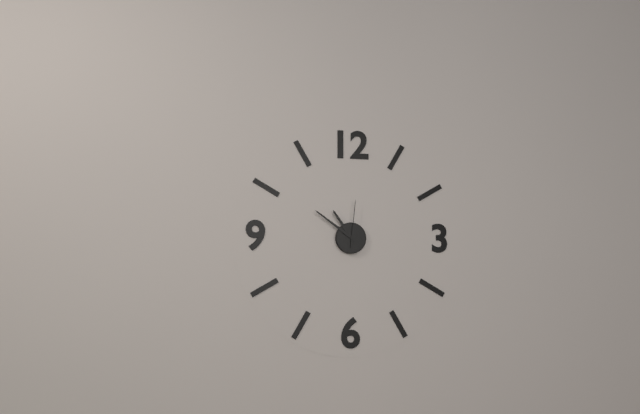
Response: **10:51**
